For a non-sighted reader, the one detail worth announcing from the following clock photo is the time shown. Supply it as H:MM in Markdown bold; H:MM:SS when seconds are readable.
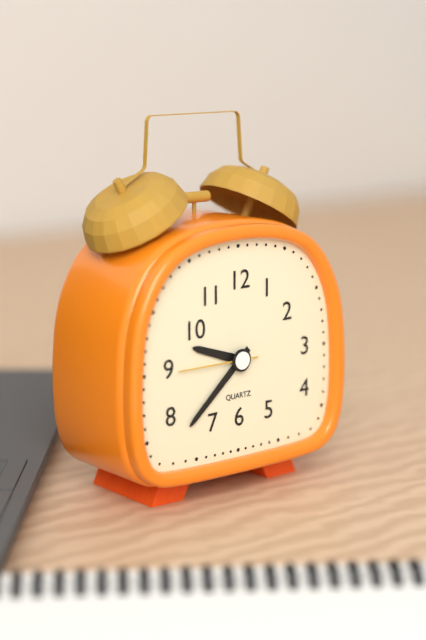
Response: **9:38:45**
